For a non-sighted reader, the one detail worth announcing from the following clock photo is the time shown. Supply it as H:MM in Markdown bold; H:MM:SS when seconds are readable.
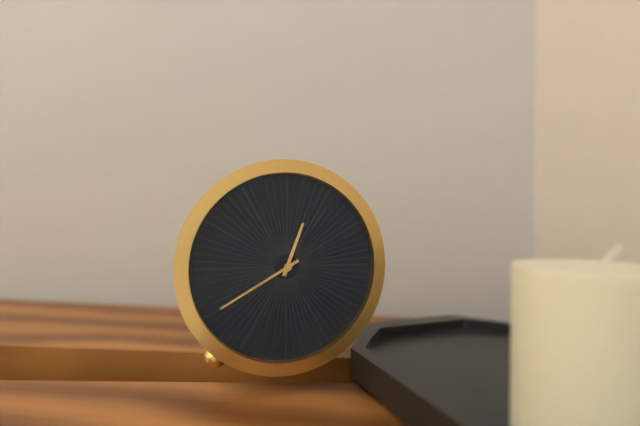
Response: **12:40**
